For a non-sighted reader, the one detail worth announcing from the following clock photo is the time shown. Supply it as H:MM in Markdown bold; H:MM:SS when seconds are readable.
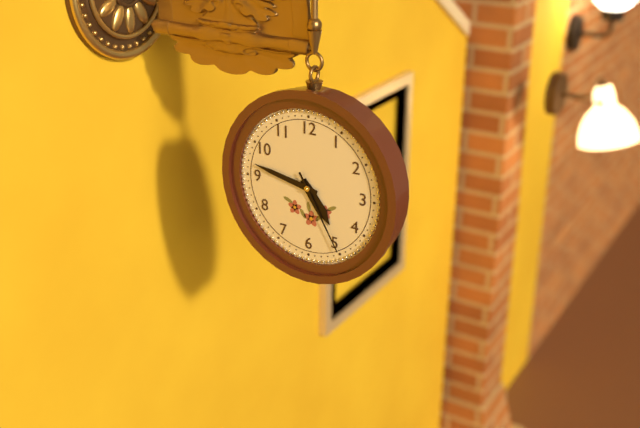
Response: **4:47:25**
